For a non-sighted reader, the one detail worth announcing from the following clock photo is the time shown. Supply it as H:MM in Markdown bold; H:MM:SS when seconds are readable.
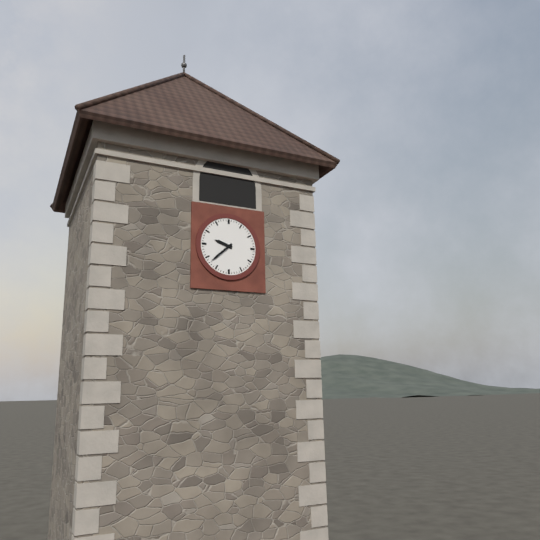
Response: **9:38**
